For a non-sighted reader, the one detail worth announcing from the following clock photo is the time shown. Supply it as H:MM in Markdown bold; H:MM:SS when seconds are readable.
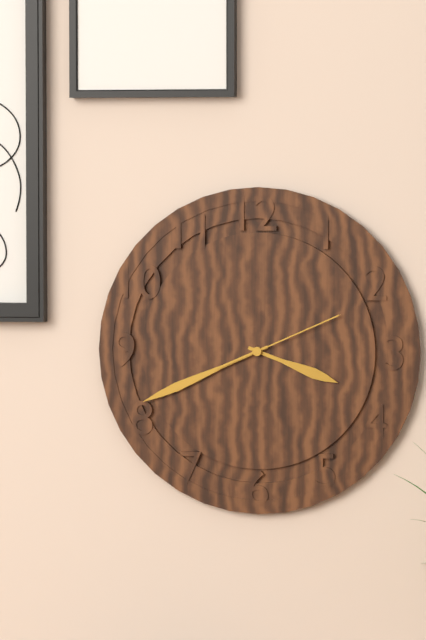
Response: **3:41:11**
